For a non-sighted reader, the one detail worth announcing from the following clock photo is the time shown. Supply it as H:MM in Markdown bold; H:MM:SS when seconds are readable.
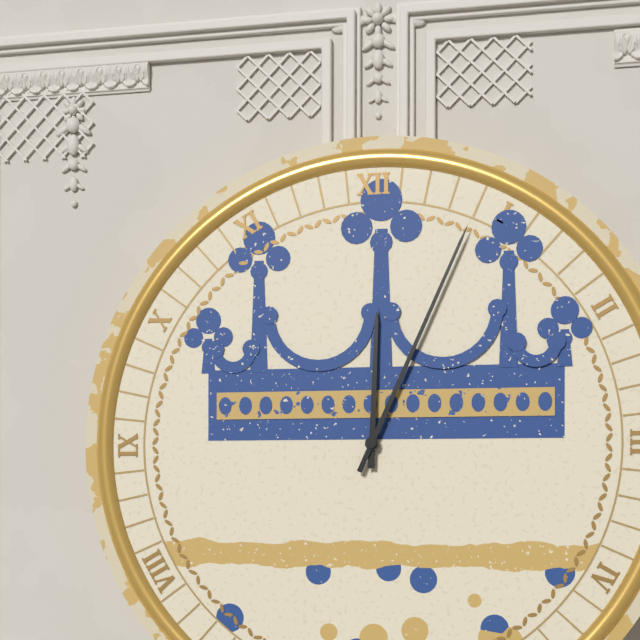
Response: **12:04**
